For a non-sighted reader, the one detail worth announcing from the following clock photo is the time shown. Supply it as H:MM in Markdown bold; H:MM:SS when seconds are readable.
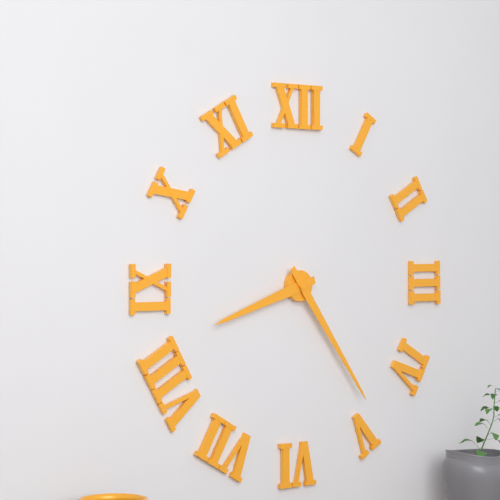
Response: **8:24**
